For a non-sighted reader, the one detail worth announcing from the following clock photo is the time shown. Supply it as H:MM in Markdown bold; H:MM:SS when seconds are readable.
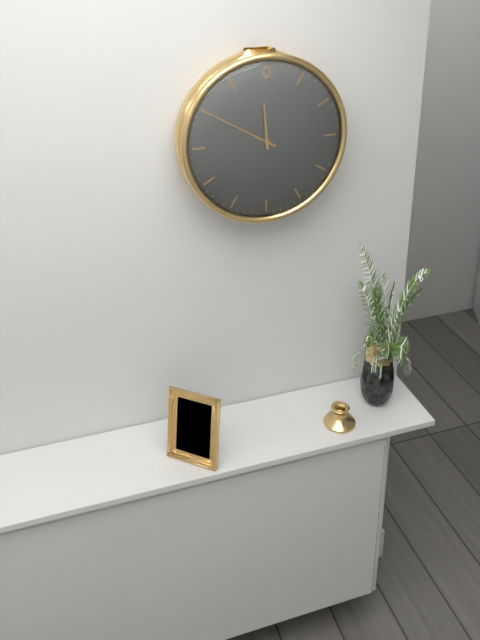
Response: **11:50**
